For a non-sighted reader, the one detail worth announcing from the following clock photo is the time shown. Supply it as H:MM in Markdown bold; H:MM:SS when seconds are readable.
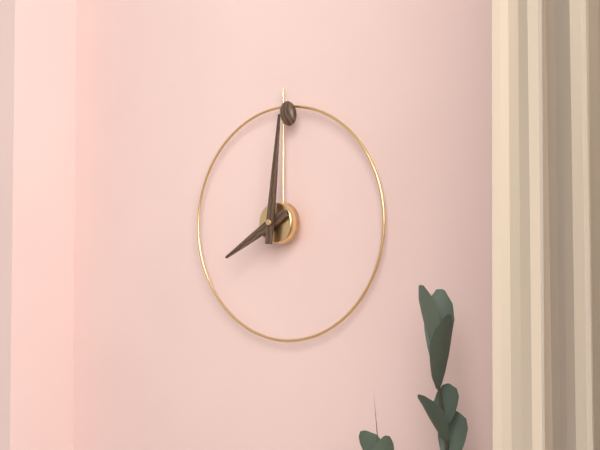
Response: **8:01**
